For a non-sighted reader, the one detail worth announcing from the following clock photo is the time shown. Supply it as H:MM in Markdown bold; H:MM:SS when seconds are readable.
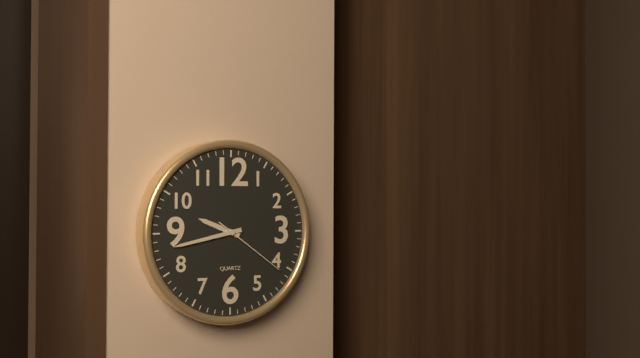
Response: **9:43:21**
